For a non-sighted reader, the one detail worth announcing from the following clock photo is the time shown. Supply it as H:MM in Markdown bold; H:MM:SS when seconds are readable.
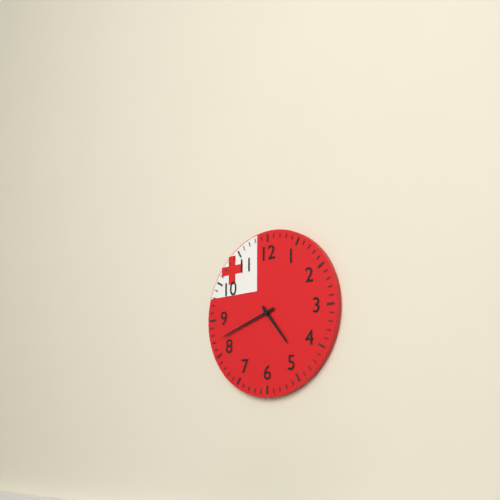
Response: **4:42**
